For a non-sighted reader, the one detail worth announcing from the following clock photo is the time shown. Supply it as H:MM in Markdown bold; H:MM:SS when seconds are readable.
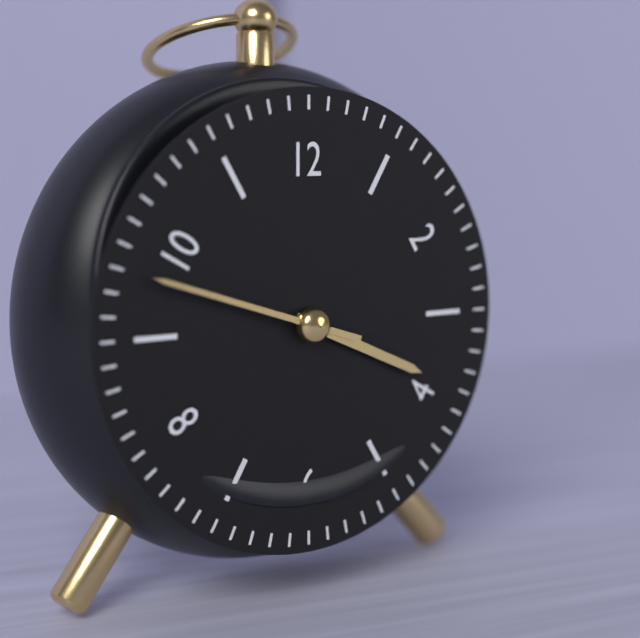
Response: **3:48**
